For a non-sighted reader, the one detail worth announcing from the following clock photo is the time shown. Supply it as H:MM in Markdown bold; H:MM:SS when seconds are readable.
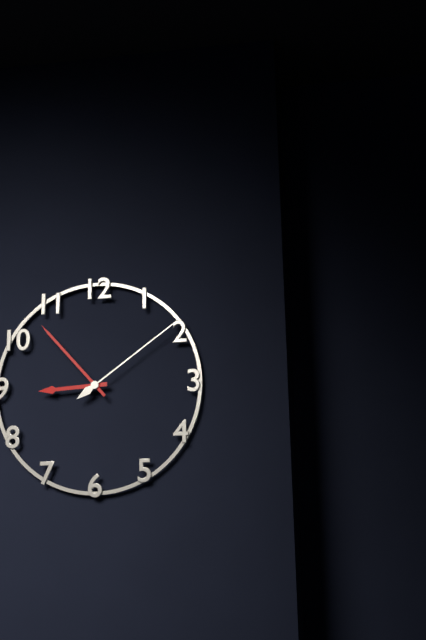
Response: **8:53:09**
